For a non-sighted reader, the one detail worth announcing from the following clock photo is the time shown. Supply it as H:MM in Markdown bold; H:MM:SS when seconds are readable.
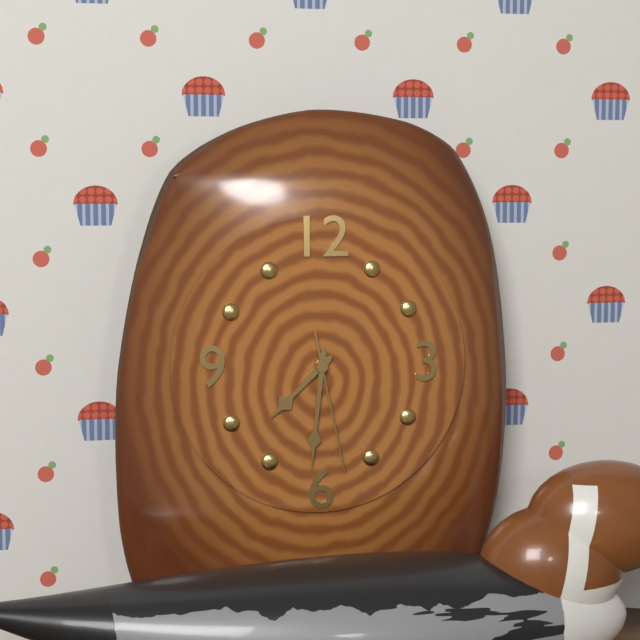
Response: **7:31:28**
